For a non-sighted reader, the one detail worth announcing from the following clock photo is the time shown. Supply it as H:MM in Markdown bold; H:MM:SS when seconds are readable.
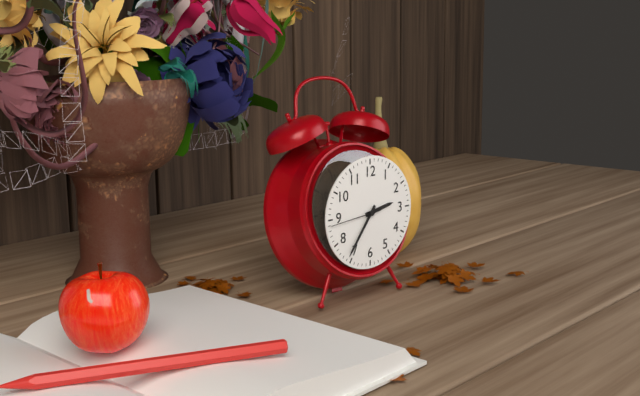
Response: **2:36:44**
